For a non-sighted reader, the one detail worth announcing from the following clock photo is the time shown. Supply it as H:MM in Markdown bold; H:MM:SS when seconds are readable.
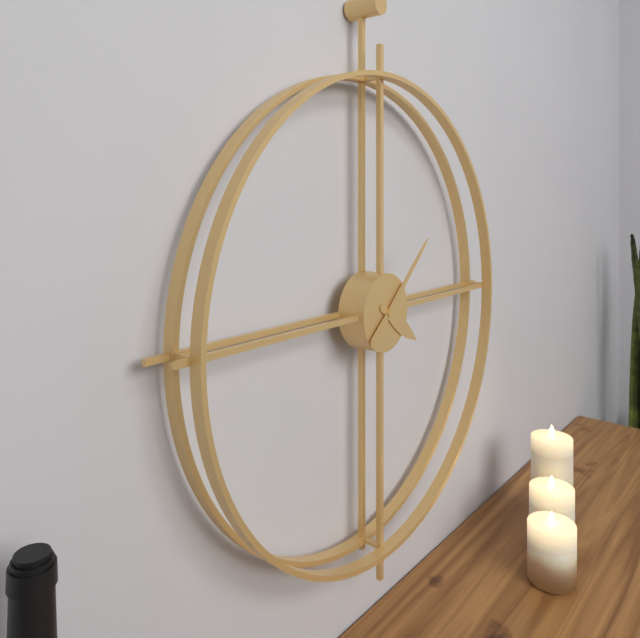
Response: **4:08**
